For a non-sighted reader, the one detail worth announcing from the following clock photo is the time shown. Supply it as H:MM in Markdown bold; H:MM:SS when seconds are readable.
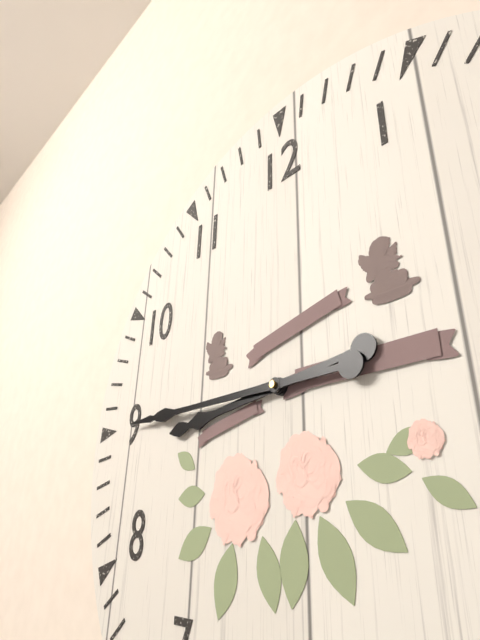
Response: **8:45**
